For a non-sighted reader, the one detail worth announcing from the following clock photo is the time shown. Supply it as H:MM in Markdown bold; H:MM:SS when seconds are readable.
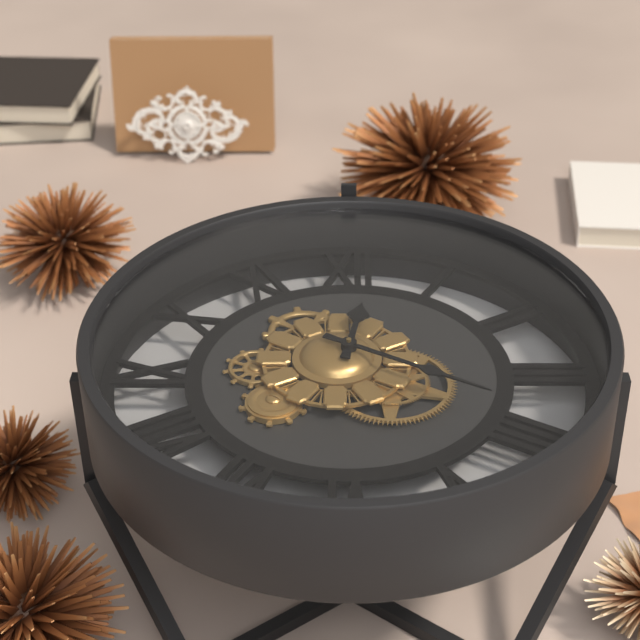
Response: **12:20**
